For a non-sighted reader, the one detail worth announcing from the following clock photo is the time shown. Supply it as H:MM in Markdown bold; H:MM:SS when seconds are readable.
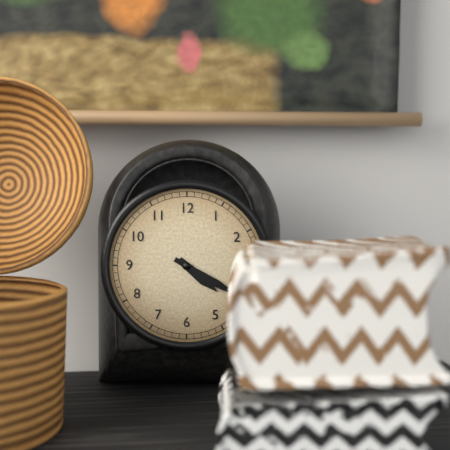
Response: **4:20**
